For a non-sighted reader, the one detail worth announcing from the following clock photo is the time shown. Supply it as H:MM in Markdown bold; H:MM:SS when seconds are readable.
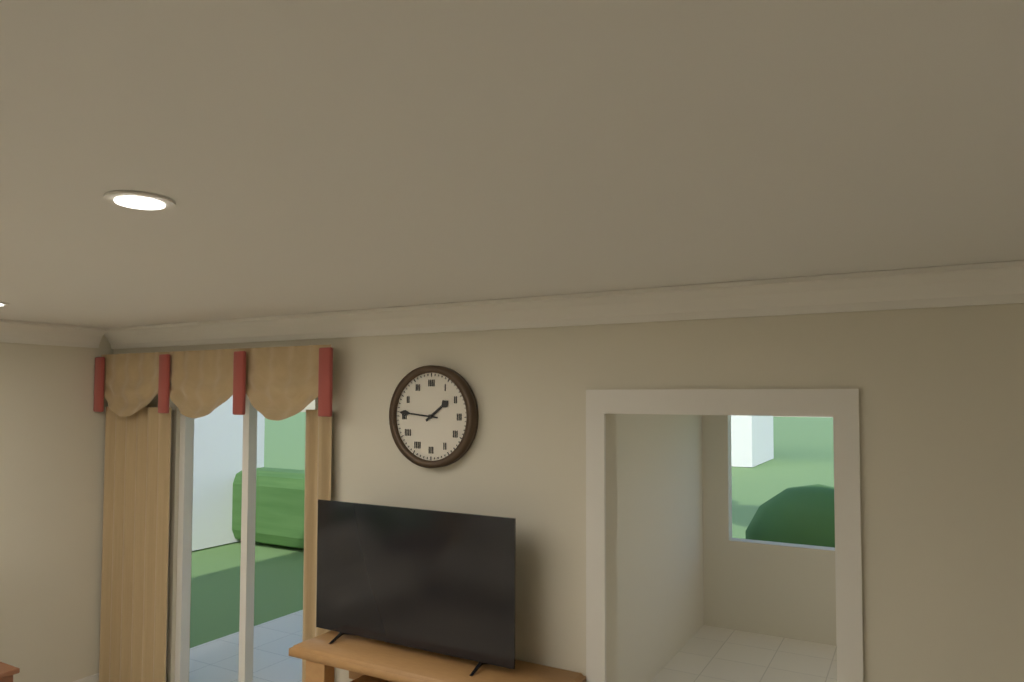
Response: **1:46**
